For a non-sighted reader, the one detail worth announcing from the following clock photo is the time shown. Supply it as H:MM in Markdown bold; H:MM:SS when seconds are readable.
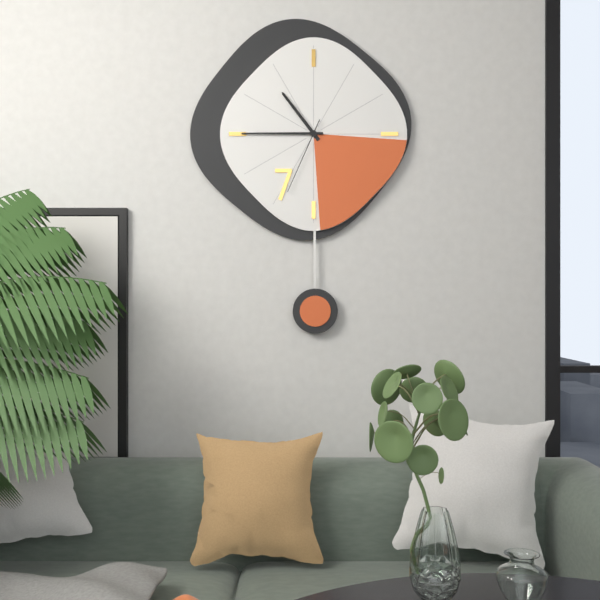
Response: **10:45:34**
